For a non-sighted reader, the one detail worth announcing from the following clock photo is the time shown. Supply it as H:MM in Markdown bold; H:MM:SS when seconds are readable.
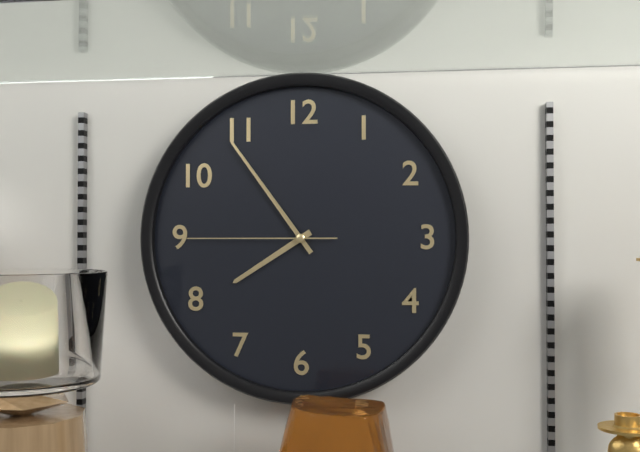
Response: **7:54:45**
